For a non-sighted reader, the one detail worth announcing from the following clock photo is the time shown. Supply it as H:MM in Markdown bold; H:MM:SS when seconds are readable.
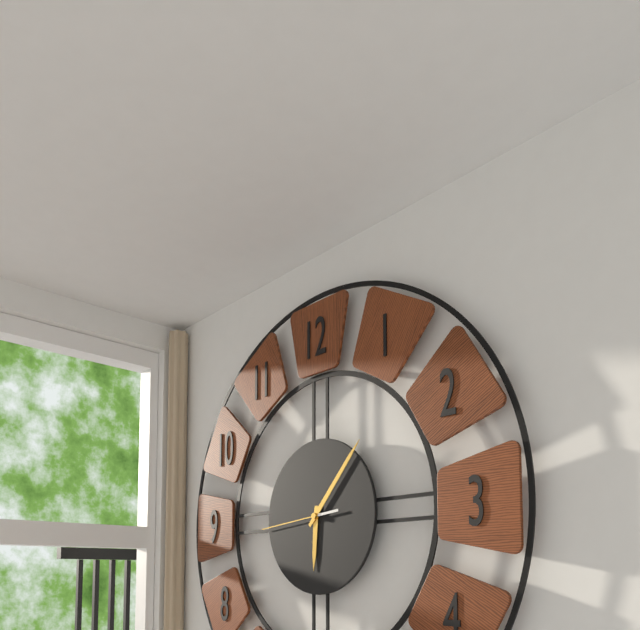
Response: **6:07:44**
